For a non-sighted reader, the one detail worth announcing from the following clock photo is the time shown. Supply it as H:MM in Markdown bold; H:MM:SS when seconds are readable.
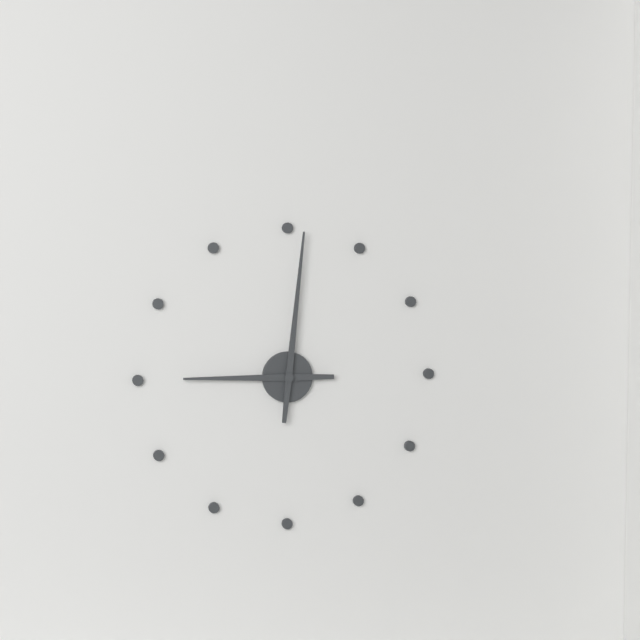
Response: **9:01**
